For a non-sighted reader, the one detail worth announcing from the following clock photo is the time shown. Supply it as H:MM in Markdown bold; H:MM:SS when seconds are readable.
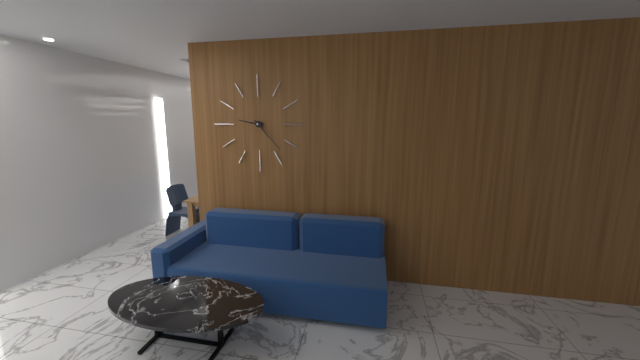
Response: **9:23**
